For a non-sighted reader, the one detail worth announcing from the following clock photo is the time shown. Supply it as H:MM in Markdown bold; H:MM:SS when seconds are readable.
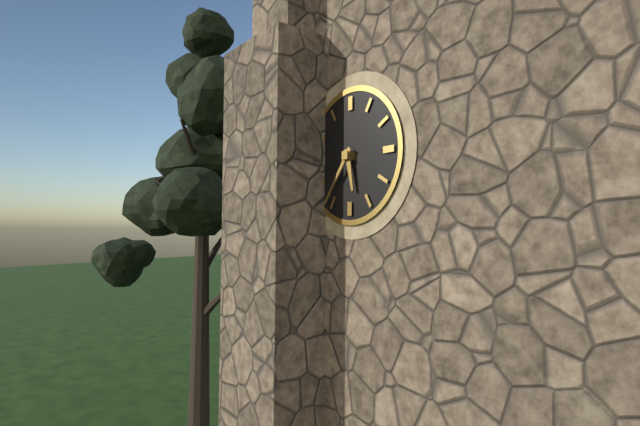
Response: **5:36**
